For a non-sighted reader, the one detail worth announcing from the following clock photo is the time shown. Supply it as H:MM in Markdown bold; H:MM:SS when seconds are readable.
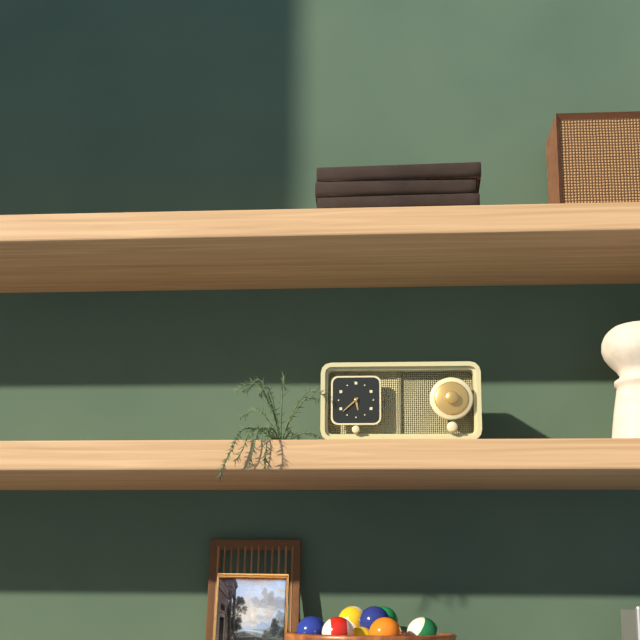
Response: **5:38**
